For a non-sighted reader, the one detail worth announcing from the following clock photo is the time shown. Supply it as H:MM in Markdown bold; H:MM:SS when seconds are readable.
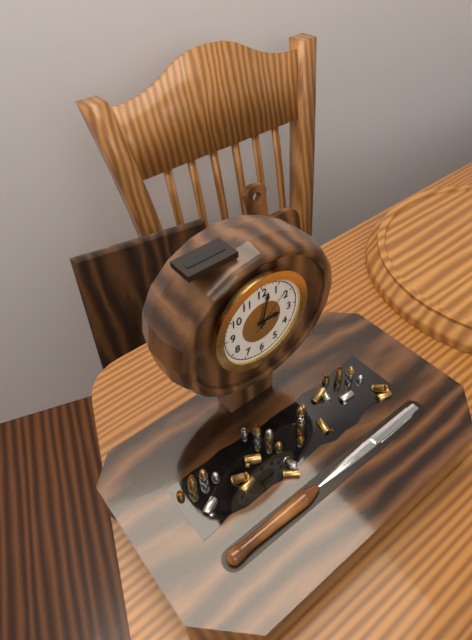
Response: **3:02:08**
